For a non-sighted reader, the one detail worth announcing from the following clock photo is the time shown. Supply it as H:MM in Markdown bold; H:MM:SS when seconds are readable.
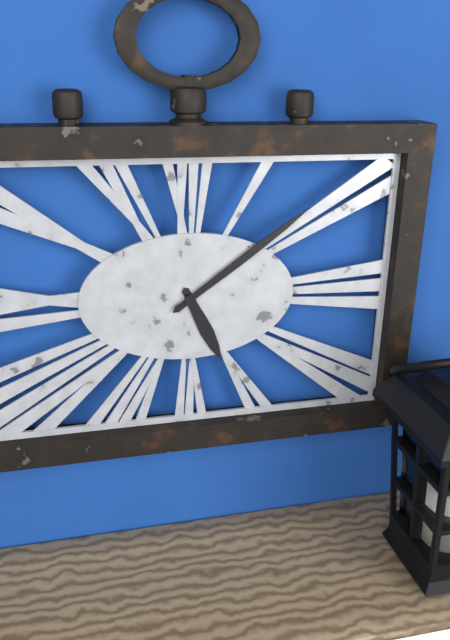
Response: **5:09**
